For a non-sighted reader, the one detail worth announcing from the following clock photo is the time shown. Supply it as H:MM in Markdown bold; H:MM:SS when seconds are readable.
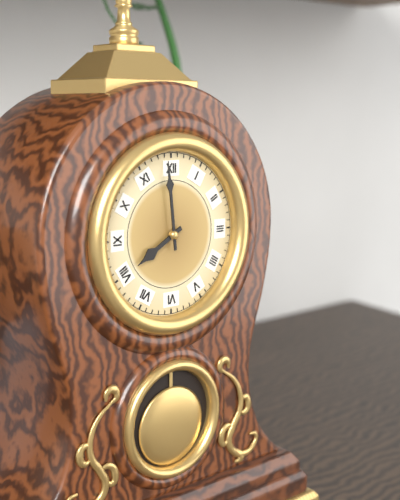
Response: **7:59**
